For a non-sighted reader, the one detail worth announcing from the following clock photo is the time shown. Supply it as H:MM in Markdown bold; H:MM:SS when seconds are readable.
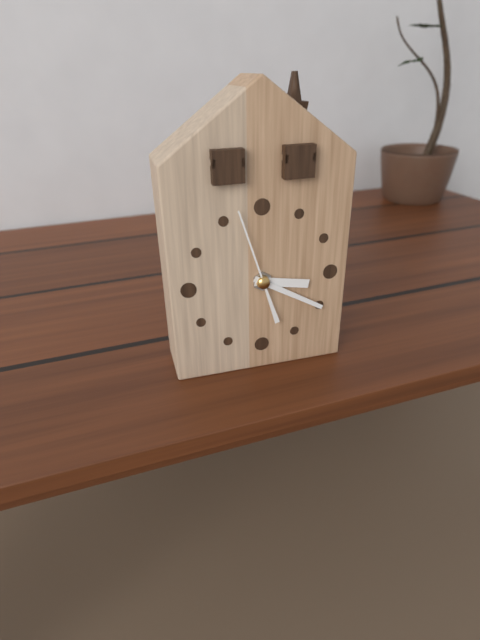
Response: **3:20:57**
